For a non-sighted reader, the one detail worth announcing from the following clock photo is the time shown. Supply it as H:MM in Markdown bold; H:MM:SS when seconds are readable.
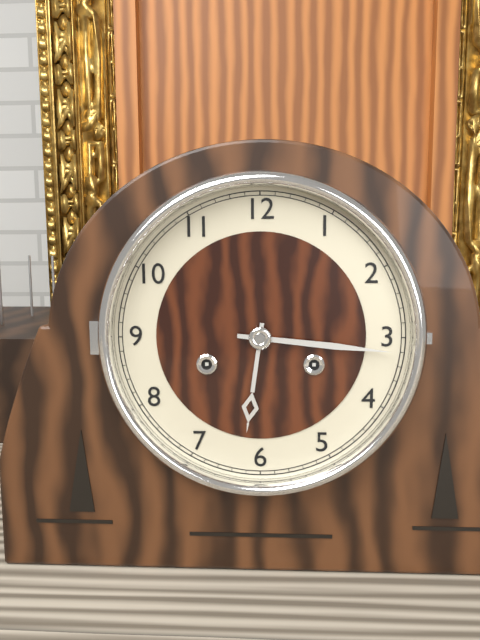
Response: **6:16**
